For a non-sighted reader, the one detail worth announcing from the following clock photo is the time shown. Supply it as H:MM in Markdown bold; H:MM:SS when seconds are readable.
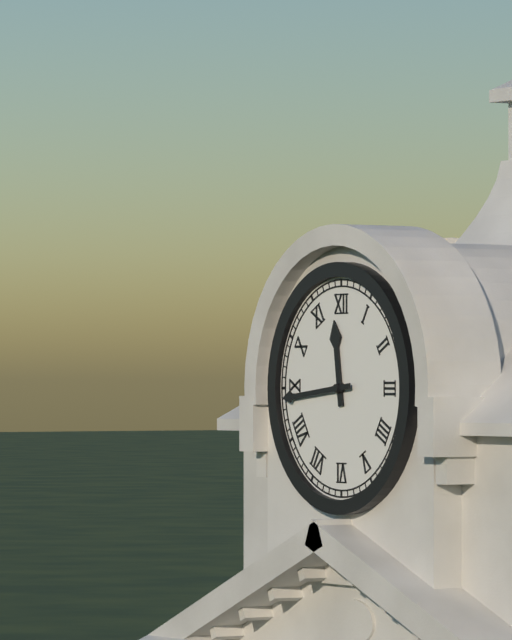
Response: **11:44**
